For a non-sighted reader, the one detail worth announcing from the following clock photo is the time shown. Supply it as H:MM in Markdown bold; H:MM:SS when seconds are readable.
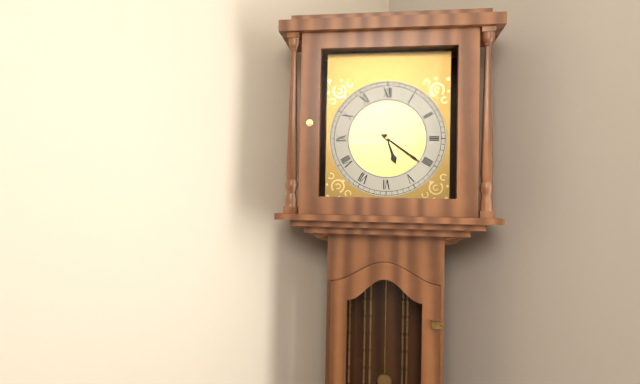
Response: **5:21**
